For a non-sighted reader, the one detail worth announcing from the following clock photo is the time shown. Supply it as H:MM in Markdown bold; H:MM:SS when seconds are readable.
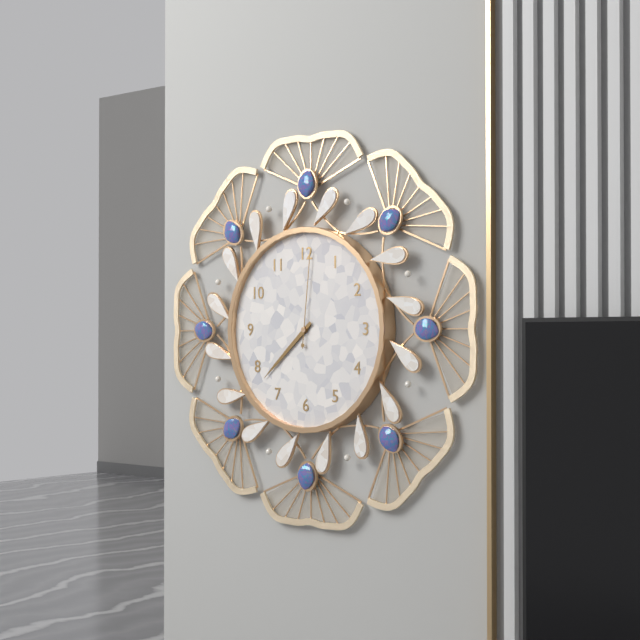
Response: **7:38:01**
